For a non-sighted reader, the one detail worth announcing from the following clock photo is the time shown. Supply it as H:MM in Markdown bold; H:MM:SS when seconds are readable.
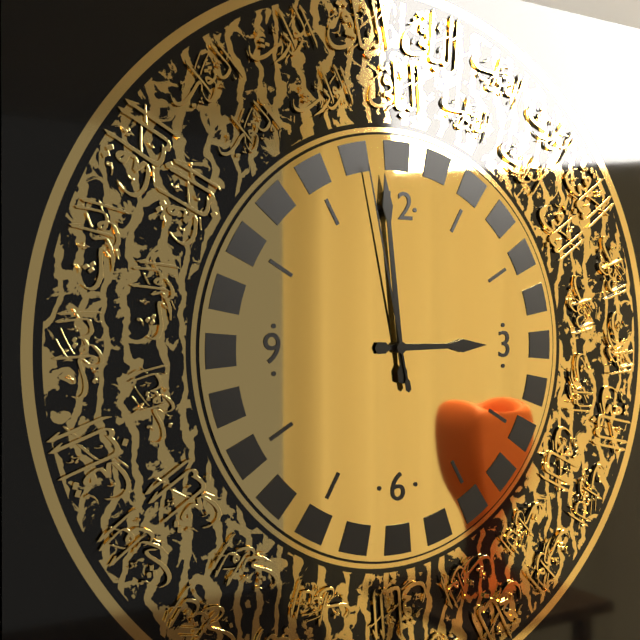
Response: **2:59:58**
